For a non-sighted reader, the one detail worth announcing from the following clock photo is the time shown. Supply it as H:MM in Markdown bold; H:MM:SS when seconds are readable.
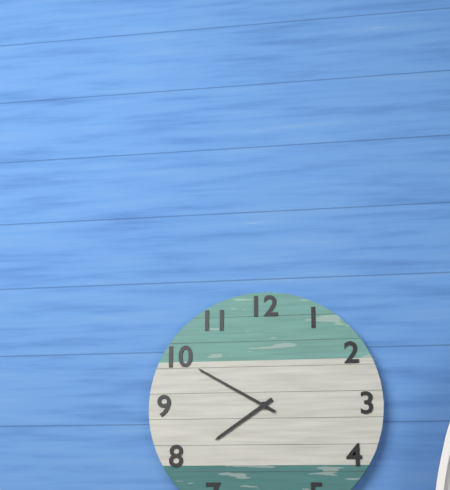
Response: **7:50**
